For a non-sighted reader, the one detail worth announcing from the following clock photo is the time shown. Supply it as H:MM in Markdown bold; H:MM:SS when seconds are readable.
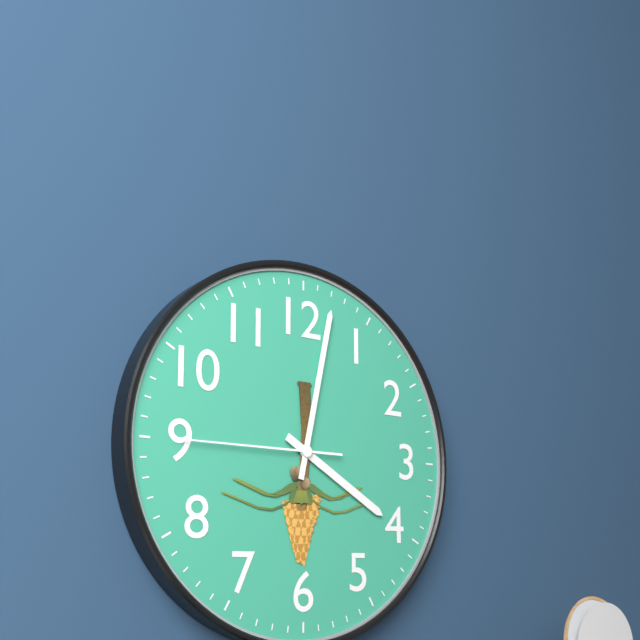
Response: **4:02:45**
